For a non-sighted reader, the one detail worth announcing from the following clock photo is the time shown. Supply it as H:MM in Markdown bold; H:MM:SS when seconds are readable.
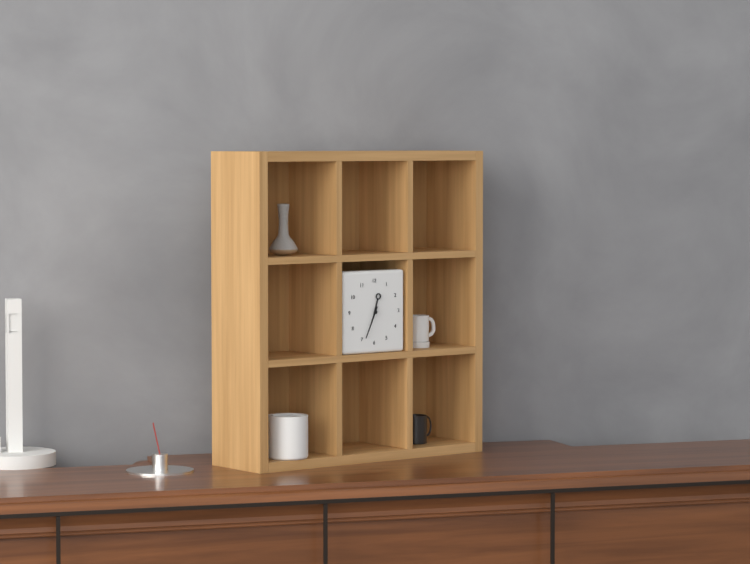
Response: **12:34**
